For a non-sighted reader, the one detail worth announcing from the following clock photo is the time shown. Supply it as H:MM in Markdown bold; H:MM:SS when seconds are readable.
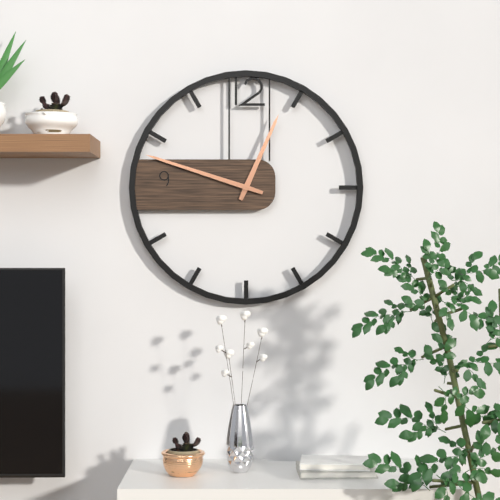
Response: **12:48**
